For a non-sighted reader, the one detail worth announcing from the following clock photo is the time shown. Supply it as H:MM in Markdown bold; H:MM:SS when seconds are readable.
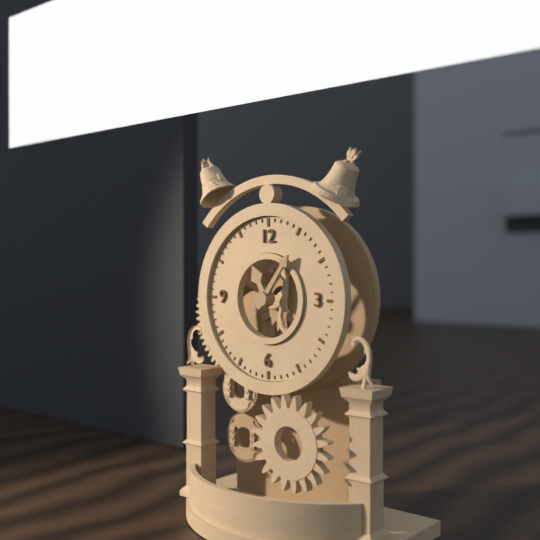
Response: **11:06**
